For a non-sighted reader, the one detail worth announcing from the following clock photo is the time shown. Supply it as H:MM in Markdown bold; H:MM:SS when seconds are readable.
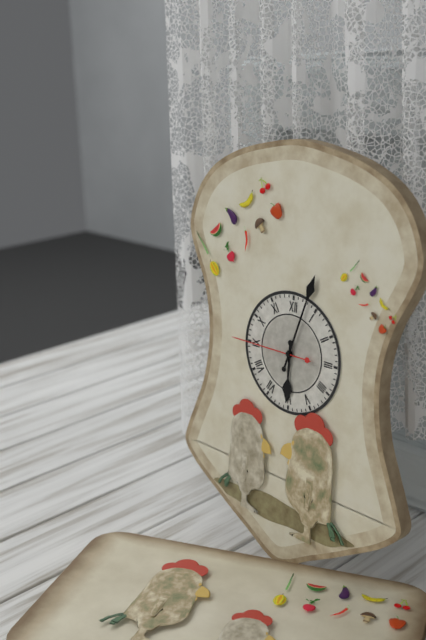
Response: **6:03:45**
